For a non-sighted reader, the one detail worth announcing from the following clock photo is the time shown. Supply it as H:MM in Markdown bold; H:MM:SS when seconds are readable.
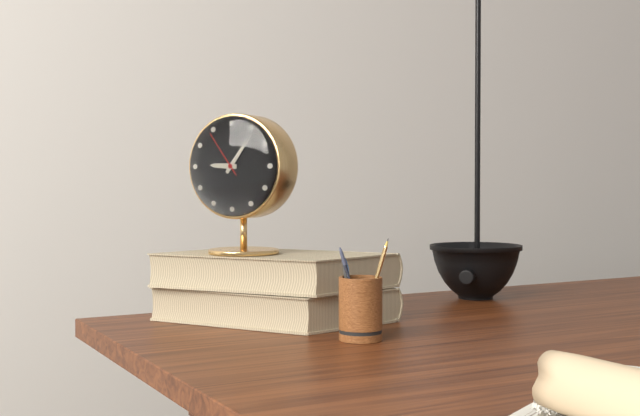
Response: **9:06**
